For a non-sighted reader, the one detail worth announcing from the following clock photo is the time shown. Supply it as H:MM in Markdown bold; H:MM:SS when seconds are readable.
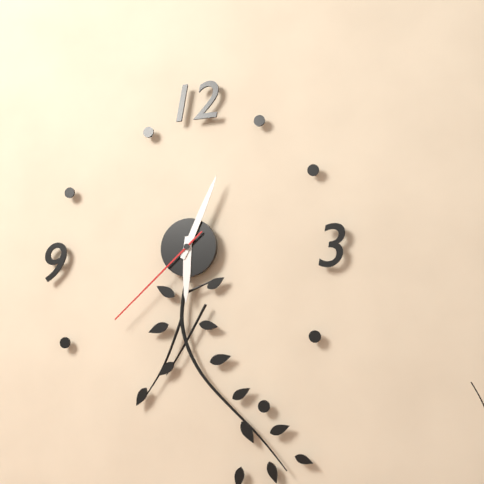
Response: **6:04:38**
